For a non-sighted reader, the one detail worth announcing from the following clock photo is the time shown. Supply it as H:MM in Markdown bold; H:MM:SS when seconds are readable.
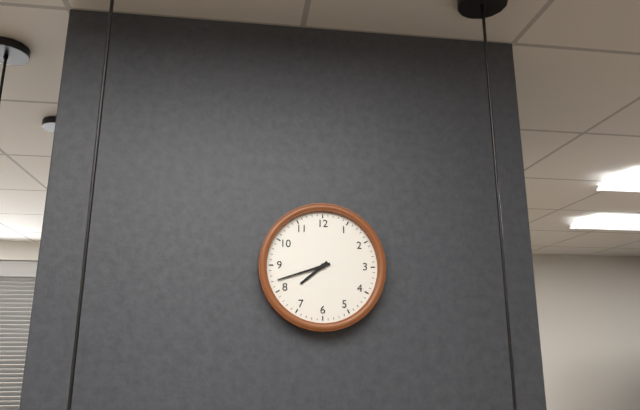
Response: **7:42**
